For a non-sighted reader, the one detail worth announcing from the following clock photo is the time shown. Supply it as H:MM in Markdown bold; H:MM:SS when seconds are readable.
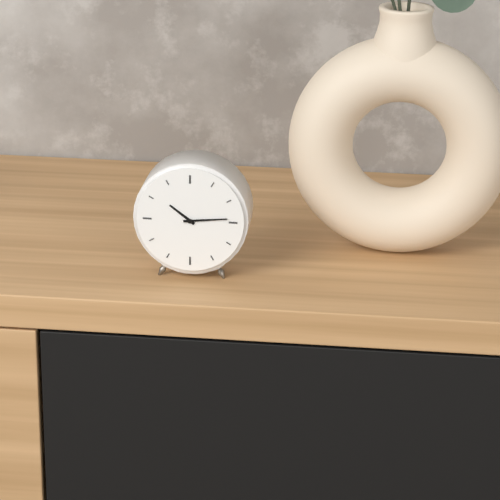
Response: **10:14**
